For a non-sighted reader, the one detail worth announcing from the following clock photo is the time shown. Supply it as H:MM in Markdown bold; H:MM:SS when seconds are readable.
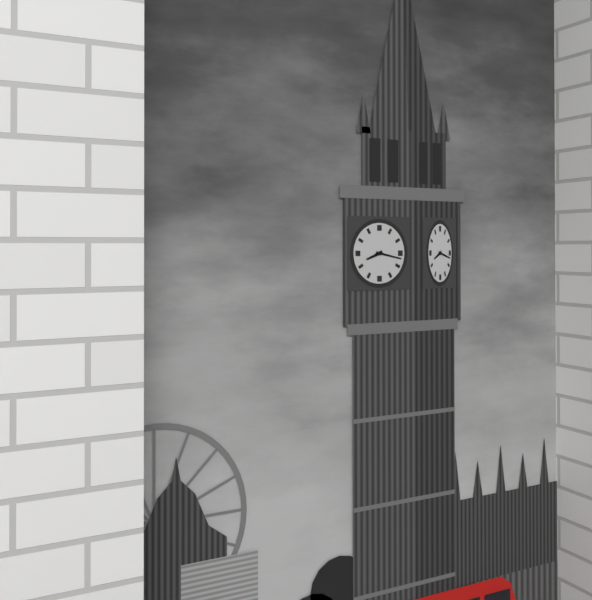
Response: **8:17**
